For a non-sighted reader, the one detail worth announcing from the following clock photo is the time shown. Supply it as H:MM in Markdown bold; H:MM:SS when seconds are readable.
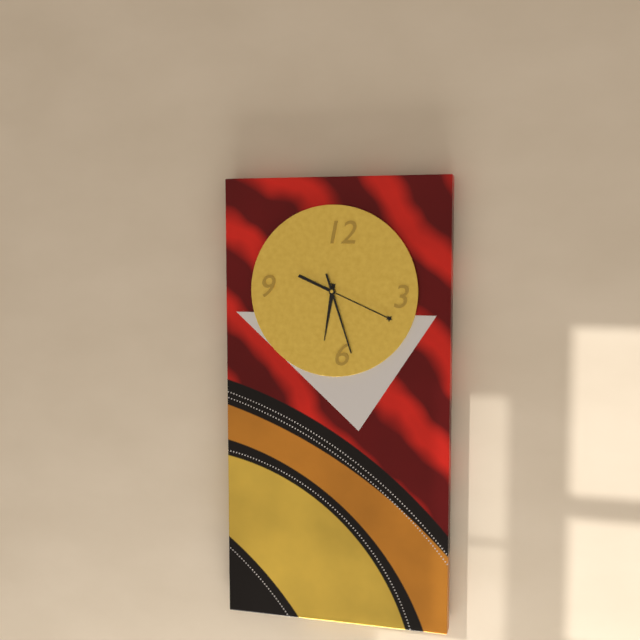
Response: **6:19:27**
